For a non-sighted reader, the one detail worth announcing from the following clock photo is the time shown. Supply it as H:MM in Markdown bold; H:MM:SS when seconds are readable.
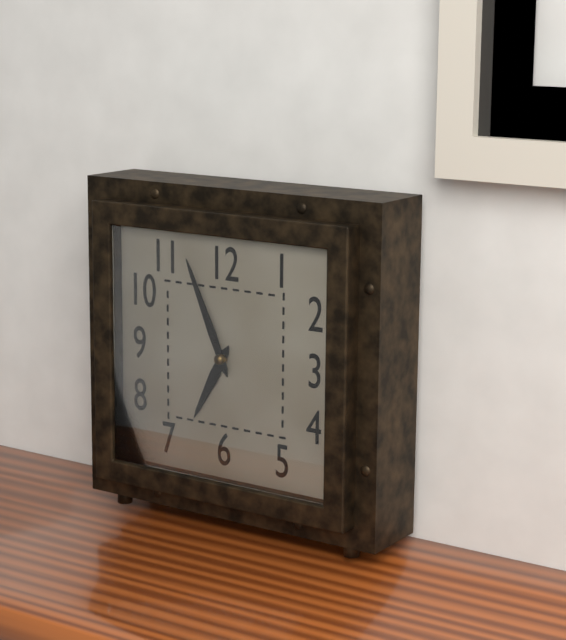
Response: **6:56**
